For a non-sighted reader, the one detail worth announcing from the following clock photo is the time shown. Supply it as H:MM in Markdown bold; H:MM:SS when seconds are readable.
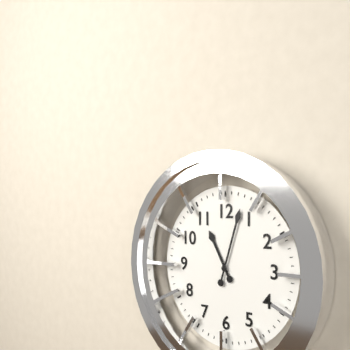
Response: **11:03**
